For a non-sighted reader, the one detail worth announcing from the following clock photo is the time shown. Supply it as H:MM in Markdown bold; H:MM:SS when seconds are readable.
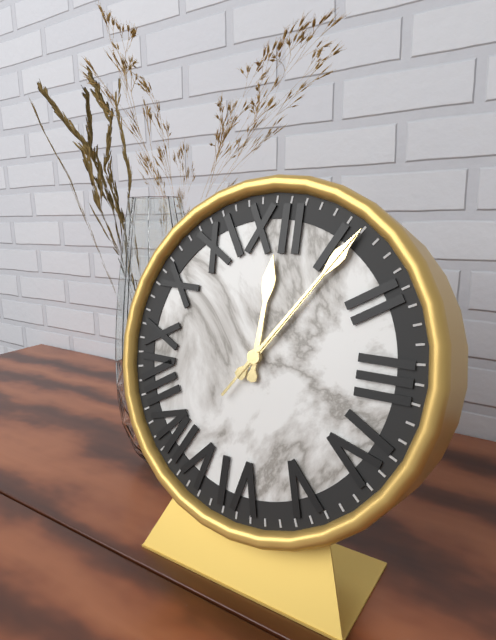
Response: **12:06:06**
